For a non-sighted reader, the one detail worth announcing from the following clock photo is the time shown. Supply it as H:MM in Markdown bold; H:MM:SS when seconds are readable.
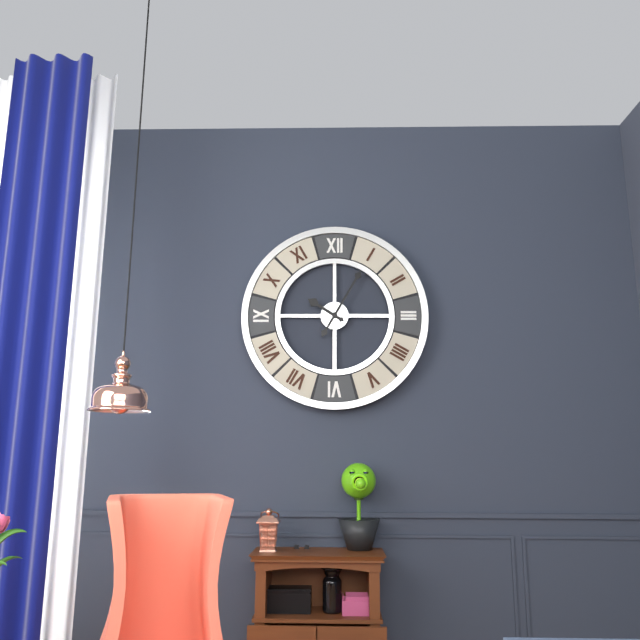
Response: **10:05**
